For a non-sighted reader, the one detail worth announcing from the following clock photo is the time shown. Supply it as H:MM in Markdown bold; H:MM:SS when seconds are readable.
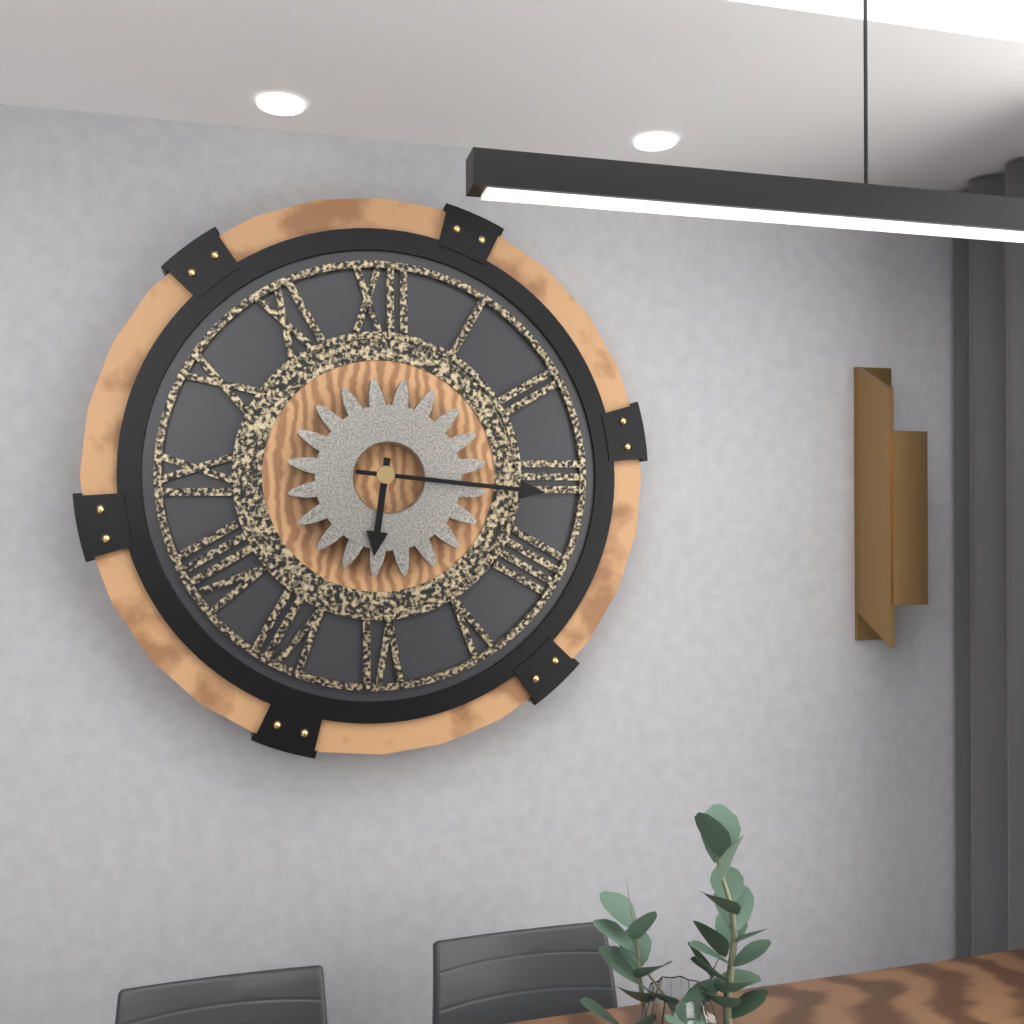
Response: **6:16**
